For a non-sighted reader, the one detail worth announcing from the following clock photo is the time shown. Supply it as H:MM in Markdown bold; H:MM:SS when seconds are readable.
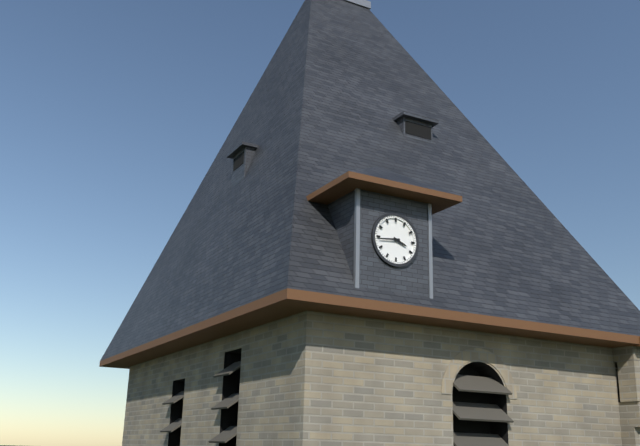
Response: **3:44**
